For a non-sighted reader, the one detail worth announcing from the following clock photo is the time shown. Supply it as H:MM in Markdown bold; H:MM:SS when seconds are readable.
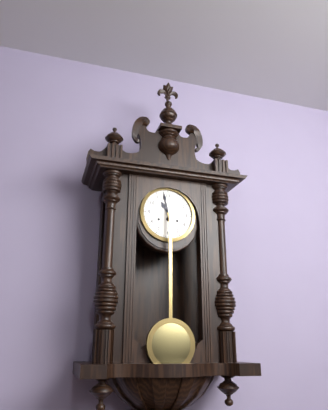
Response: **10:58**
